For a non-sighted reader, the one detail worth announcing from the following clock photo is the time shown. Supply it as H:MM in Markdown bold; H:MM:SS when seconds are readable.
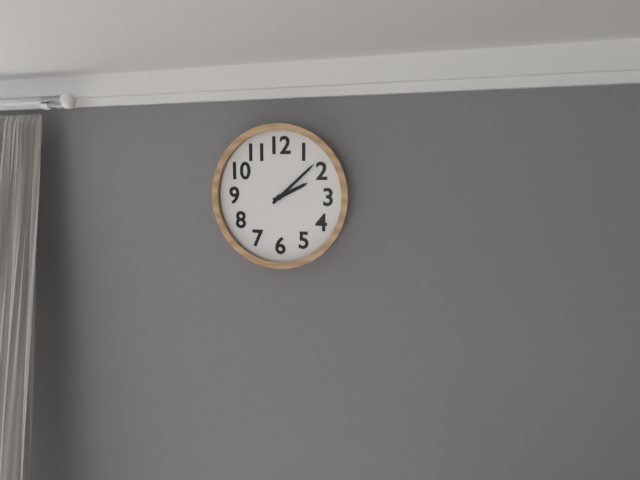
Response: **2:08**
